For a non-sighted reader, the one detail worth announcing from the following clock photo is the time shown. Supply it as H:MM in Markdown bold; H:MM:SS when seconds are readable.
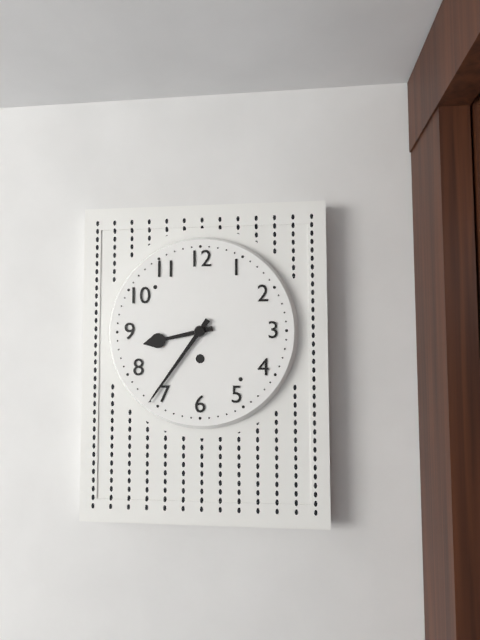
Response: **8:36**
